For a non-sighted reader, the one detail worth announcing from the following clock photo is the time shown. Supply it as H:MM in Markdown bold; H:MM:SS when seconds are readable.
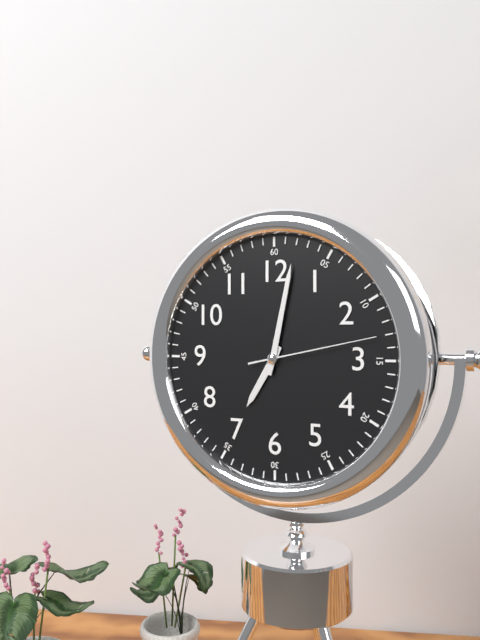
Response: **7:02:13**
